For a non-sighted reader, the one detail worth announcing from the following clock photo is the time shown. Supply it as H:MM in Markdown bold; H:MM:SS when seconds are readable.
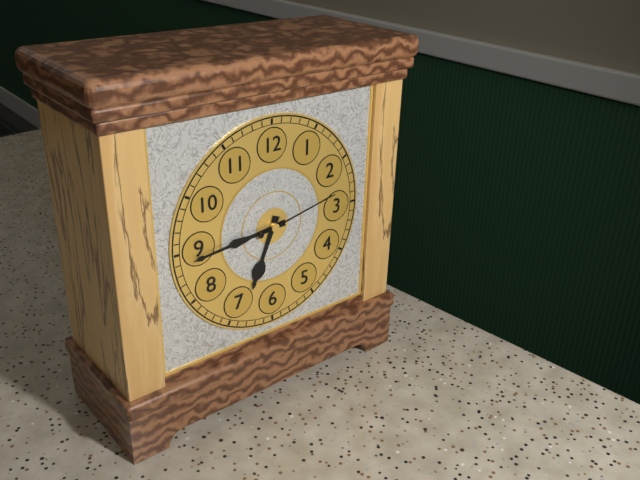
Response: **6:44:13**
